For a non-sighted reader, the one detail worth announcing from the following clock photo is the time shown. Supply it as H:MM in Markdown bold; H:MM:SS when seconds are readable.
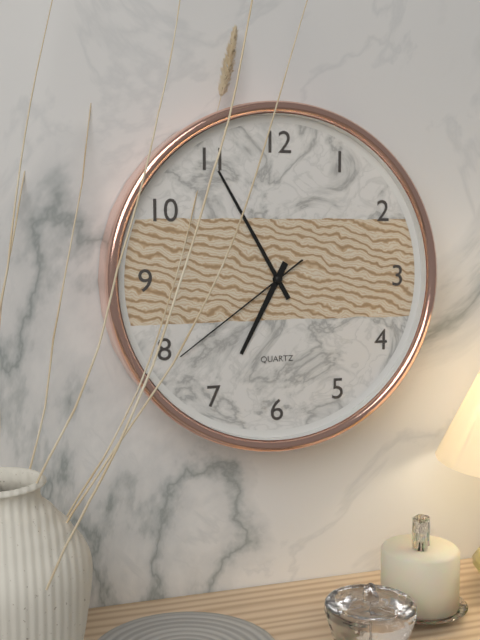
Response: **6:55:39**
